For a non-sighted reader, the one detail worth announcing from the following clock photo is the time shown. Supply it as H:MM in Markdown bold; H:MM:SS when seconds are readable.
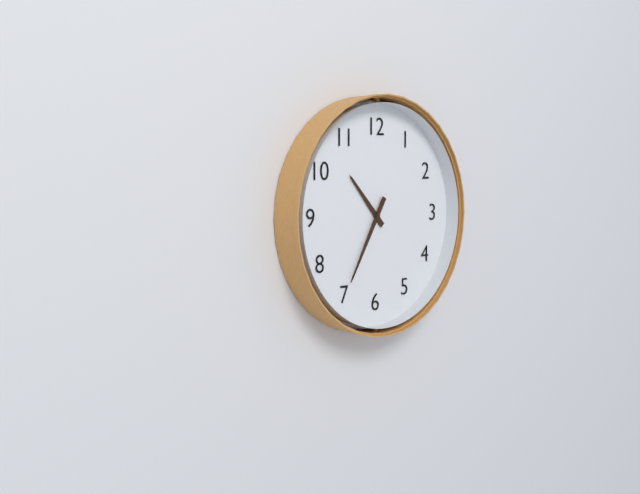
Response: **10:35**
